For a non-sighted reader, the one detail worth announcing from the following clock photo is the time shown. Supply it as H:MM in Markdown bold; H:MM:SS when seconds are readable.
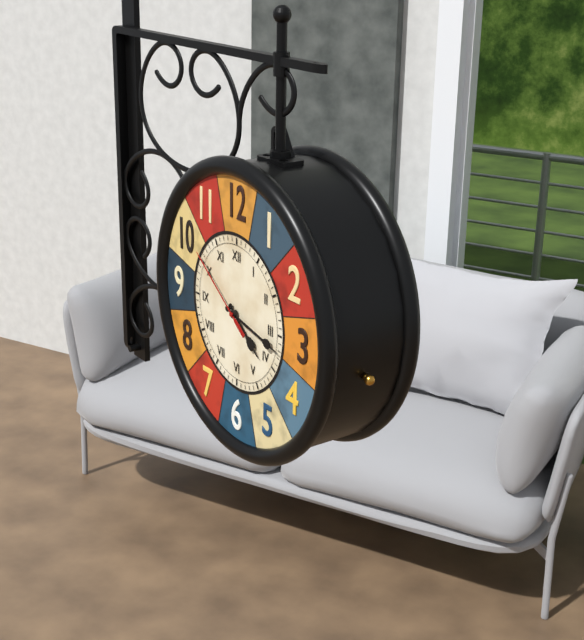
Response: **4:17:51**
